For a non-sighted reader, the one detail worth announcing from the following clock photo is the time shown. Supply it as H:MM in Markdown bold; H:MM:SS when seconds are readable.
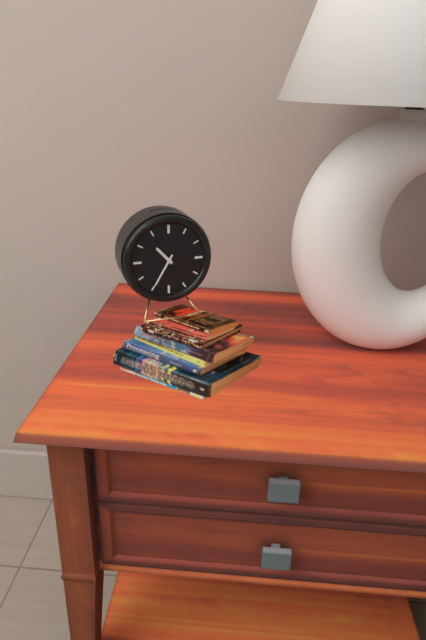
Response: **10:35**
